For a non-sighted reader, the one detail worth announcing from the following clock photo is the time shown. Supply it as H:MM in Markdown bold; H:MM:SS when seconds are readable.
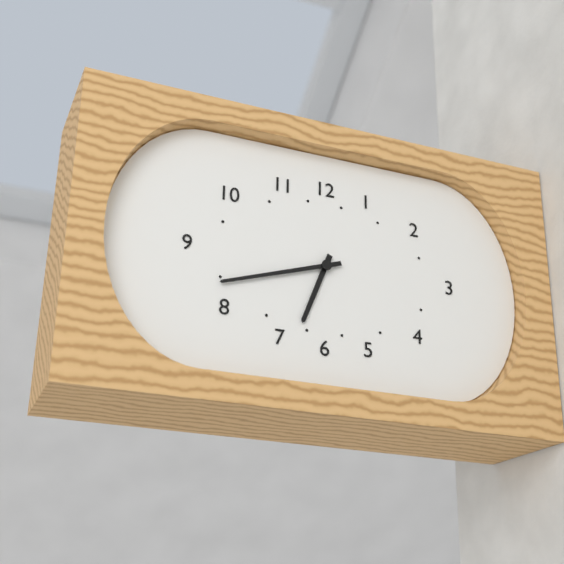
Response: **6:42**
